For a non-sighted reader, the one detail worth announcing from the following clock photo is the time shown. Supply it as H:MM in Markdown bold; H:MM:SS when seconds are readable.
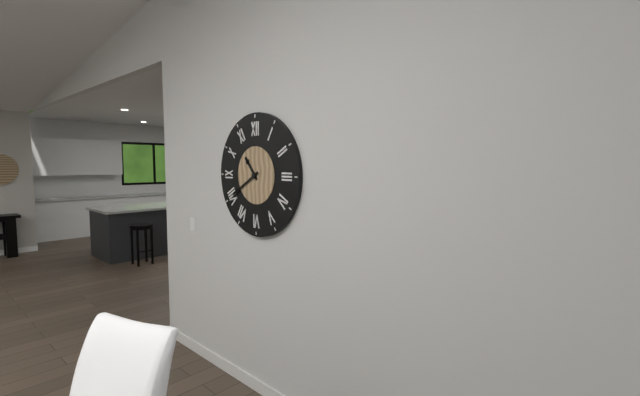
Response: **10:40**
